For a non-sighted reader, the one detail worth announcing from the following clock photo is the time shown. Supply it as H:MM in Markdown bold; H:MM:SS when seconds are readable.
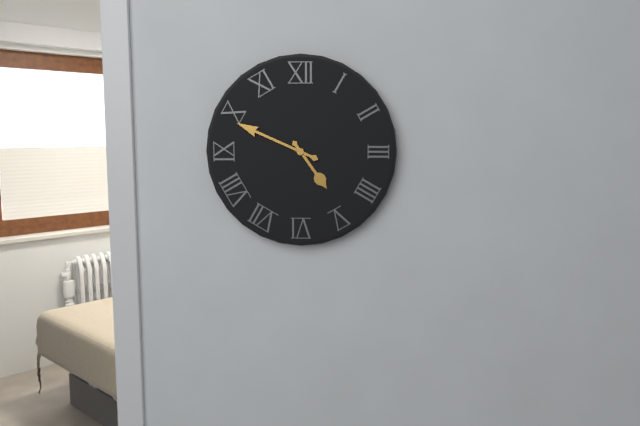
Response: **4:49**
